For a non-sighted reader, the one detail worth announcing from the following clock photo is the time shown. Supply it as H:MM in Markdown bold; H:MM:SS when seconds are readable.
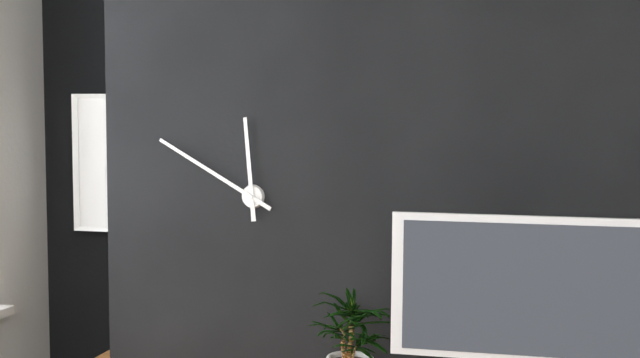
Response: **11:50**
